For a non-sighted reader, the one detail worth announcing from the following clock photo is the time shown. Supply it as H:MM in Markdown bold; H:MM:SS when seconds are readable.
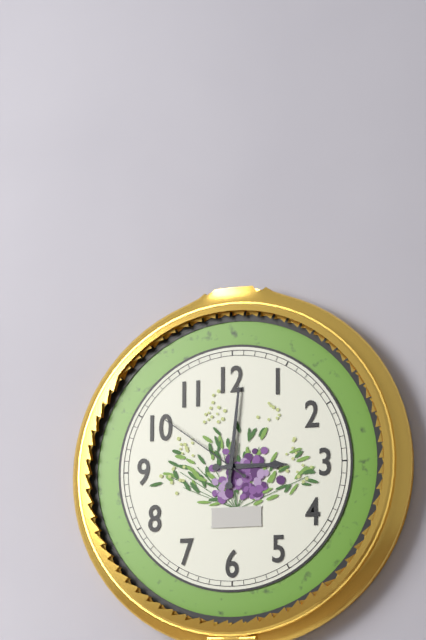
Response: **3:01:51**
